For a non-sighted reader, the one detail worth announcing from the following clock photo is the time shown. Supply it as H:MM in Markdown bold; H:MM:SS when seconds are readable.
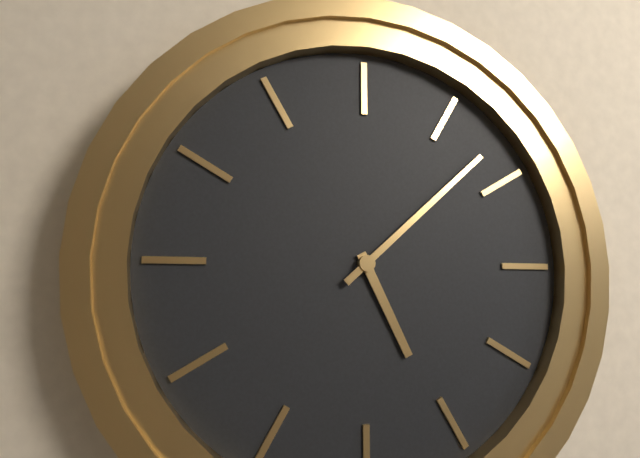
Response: **5:08**
